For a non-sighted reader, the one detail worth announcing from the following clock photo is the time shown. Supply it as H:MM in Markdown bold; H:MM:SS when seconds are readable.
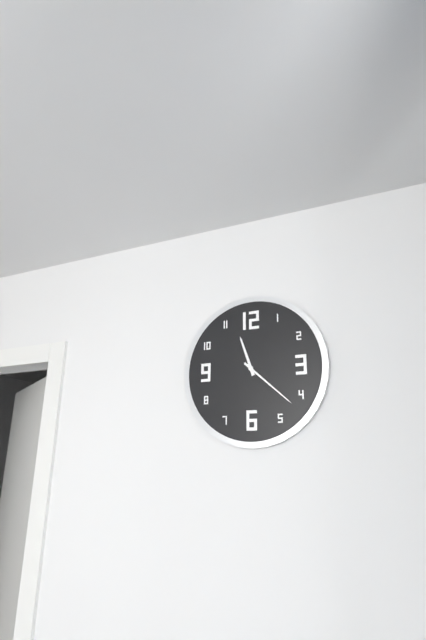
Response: **11:22**
